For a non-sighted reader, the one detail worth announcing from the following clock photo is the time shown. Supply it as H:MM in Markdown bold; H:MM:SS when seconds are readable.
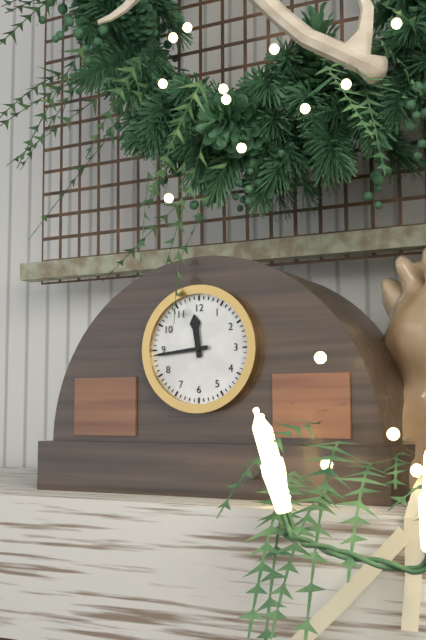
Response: **11:44**
